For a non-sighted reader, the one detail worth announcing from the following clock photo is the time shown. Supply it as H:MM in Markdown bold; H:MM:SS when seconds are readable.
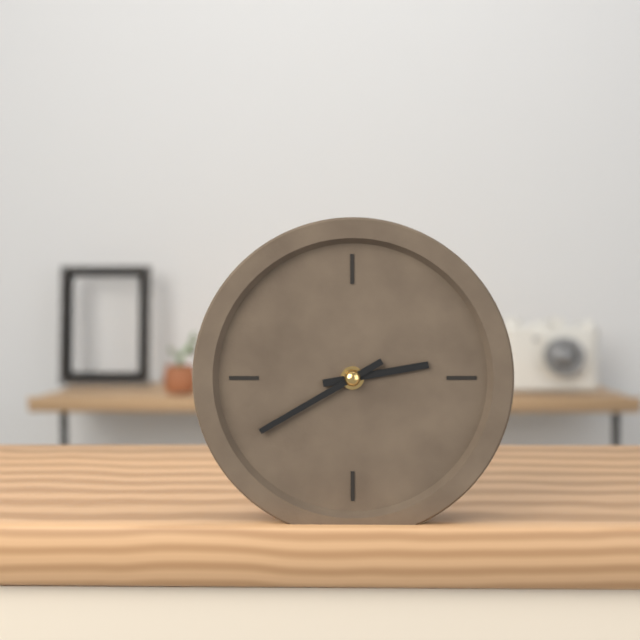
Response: **2:40**
